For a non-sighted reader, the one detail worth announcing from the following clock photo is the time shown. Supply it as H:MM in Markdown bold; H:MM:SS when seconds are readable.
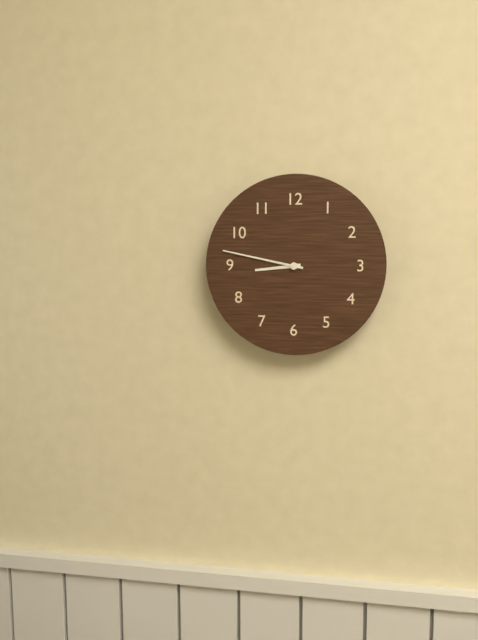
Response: **8:47**
